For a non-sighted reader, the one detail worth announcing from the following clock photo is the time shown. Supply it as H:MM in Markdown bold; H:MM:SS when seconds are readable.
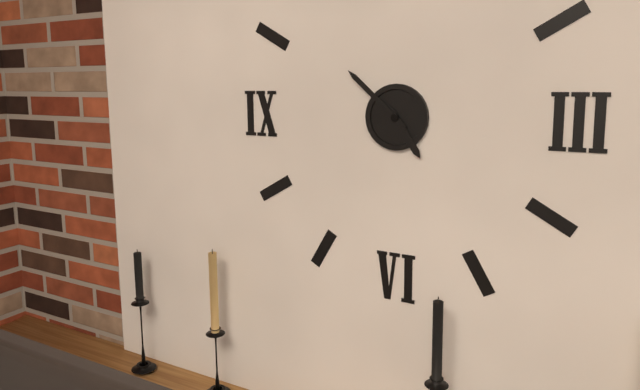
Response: **4:52**
